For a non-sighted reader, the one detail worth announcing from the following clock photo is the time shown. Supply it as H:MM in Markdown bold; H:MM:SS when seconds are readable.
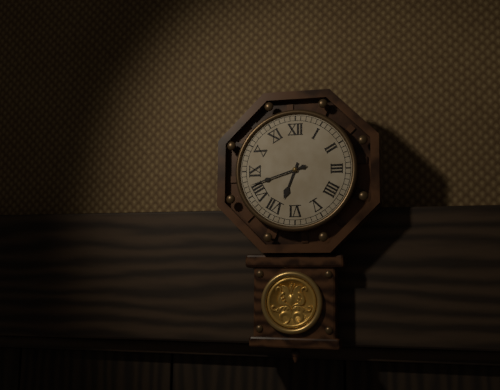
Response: **6:42**
